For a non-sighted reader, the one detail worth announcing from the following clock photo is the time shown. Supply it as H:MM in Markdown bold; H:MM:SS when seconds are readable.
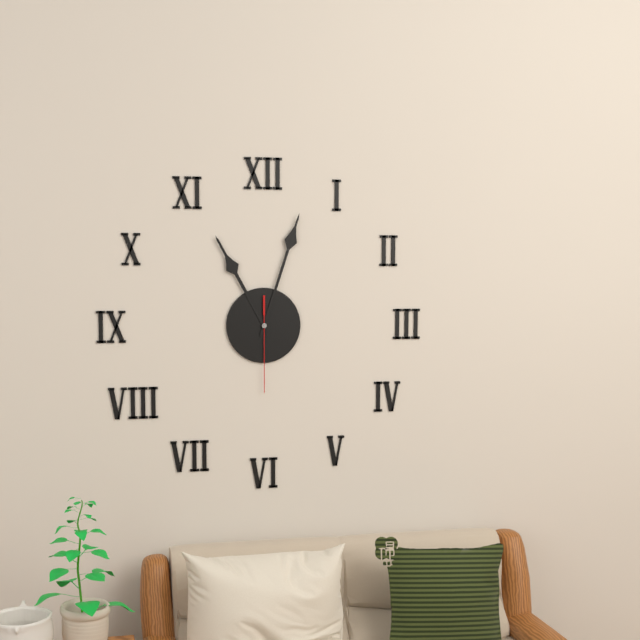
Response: **11:03:30**
